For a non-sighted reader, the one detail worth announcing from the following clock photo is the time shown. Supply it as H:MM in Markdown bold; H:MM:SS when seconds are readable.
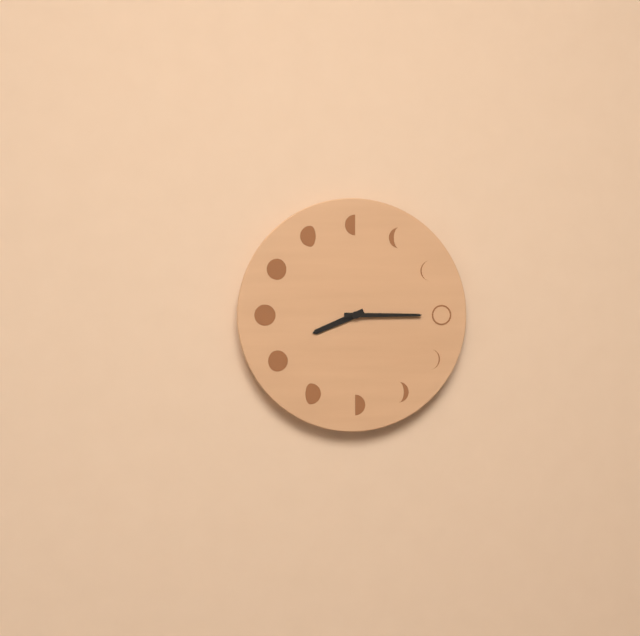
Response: **8:15**
